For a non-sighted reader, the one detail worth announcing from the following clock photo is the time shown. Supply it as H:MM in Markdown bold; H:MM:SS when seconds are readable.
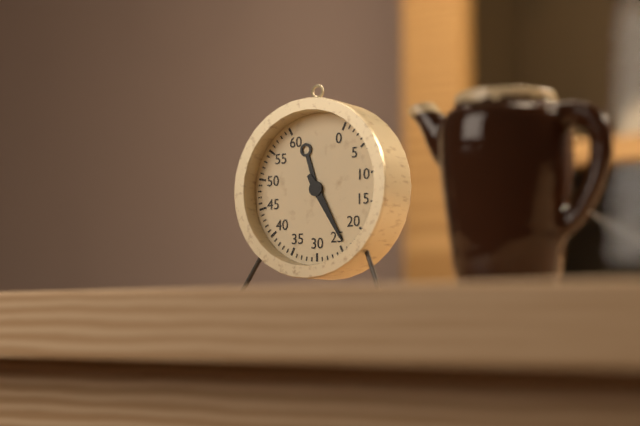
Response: **11:25**
